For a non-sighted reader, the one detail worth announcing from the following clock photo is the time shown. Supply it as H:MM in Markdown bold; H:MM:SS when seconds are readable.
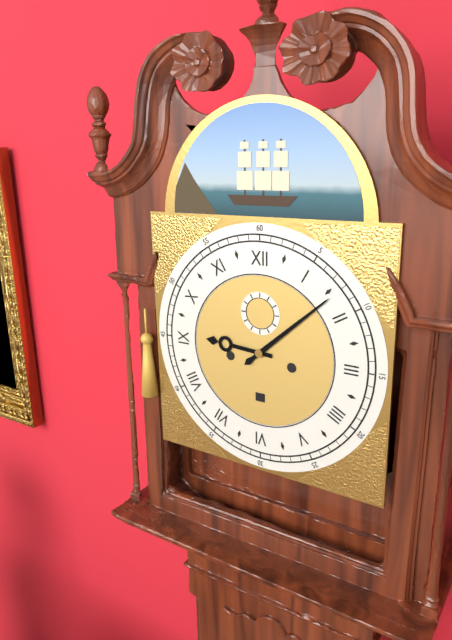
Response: **9:08**
